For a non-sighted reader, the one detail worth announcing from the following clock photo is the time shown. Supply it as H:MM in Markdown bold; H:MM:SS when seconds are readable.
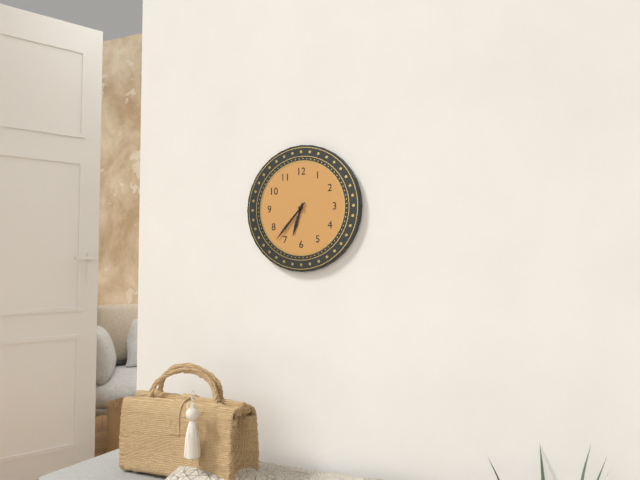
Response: **6:37**
